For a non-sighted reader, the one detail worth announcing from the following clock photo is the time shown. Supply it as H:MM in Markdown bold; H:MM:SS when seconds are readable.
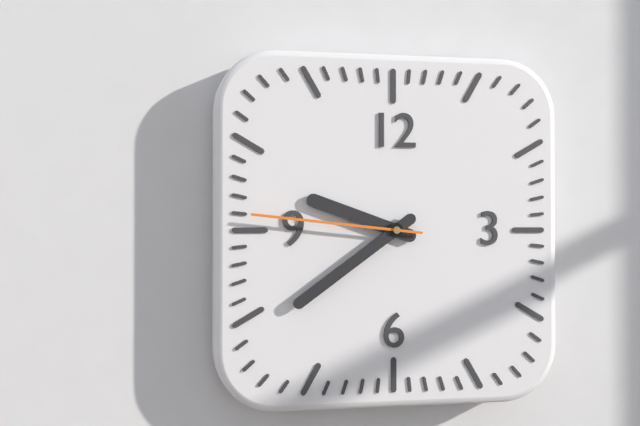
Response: **9:39:46**
